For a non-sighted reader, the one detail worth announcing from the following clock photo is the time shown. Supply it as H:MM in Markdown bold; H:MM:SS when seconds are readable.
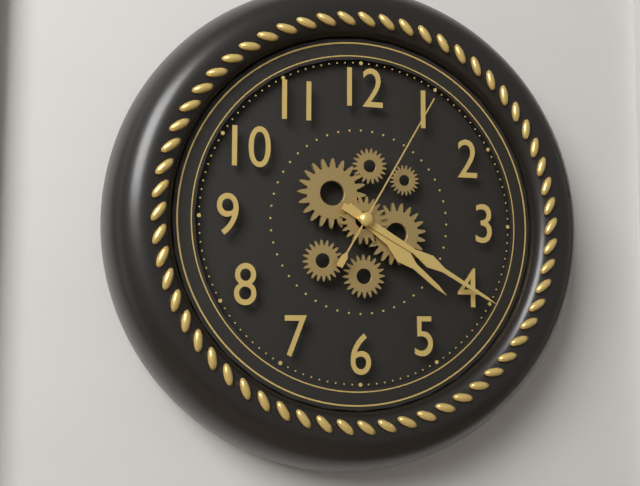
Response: **4:20:05**
